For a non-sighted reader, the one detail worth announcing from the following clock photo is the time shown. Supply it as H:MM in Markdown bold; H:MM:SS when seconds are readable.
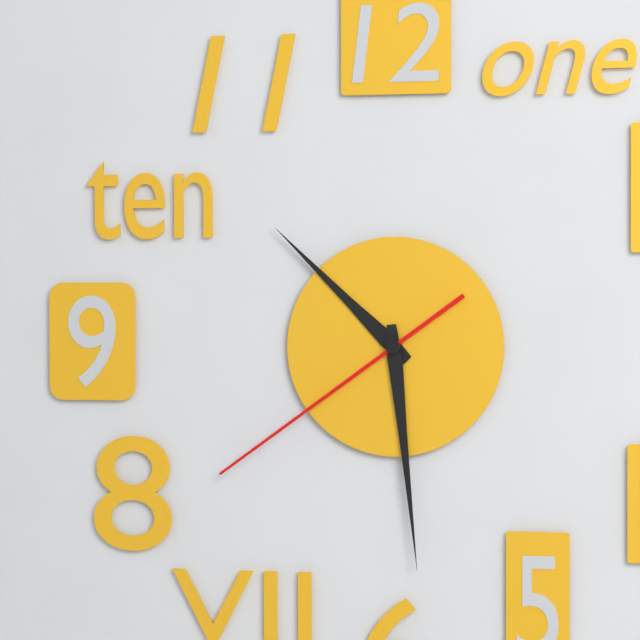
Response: **10:29:39**
